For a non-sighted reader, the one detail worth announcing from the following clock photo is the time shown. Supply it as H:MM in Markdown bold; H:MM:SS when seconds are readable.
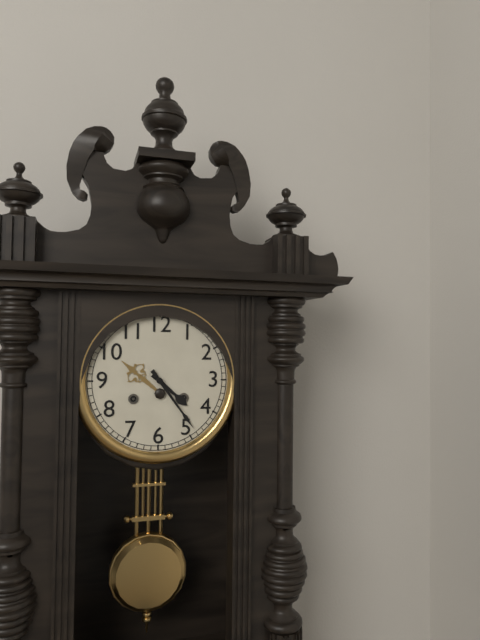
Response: **4:24**
